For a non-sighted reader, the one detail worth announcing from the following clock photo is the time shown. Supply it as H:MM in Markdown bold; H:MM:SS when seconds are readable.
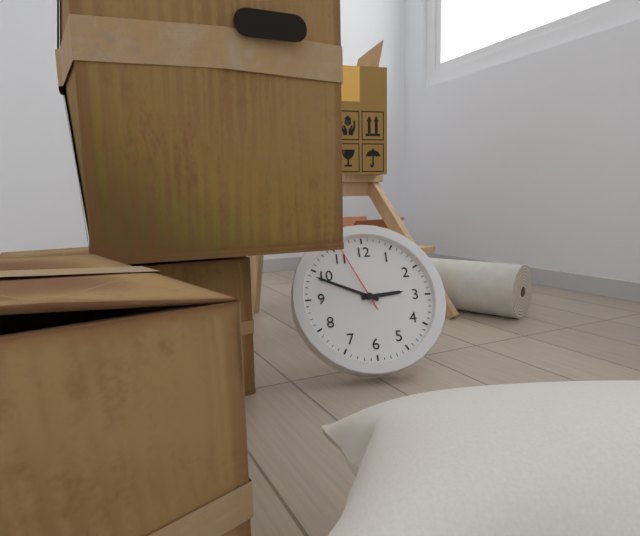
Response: **2:49:56**
